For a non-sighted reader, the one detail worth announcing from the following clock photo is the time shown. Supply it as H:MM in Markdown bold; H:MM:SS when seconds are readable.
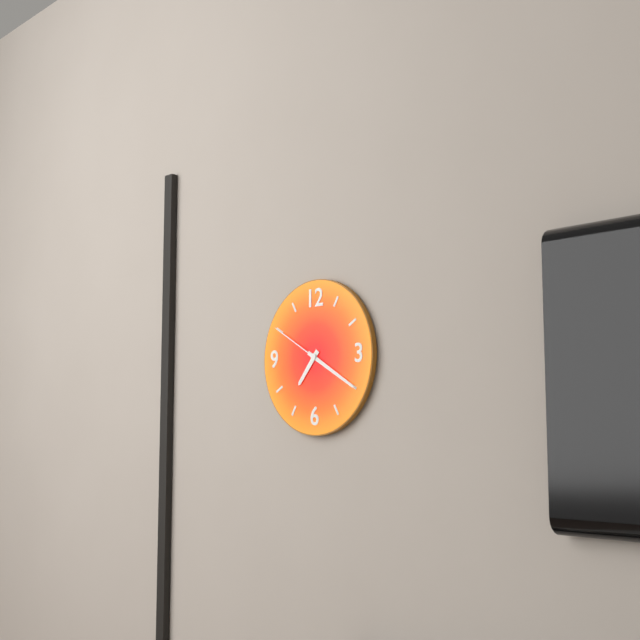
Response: **7:20:50**
